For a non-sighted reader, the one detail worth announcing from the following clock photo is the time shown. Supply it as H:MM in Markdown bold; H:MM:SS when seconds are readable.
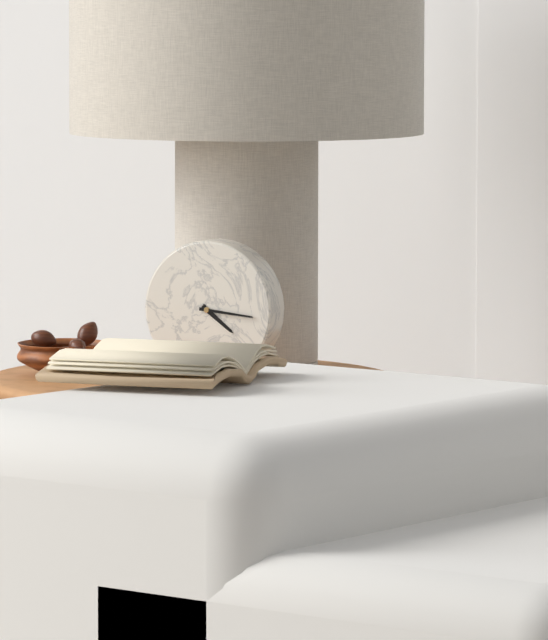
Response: **4:16**
